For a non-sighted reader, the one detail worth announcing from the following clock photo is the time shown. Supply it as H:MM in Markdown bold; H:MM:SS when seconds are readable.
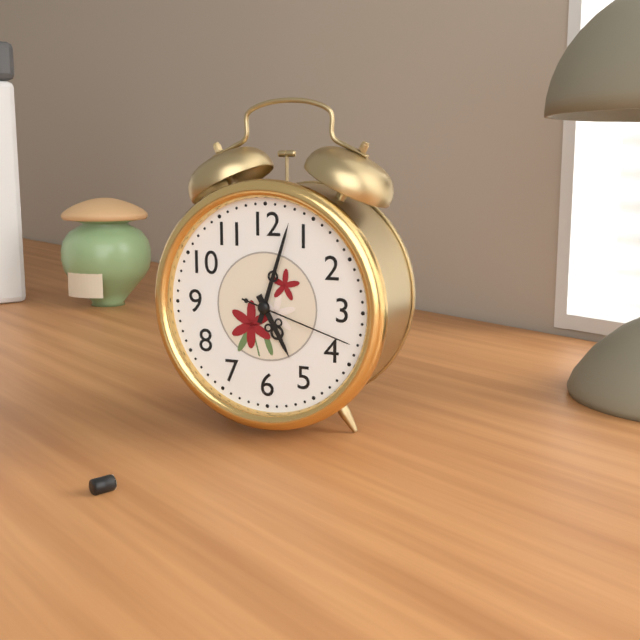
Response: **5:03:18**
